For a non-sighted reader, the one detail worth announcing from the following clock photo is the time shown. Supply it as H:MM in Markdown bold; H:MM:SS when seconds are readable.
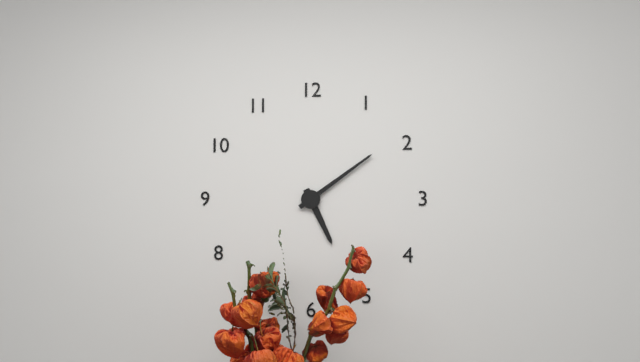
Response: **5:09**
